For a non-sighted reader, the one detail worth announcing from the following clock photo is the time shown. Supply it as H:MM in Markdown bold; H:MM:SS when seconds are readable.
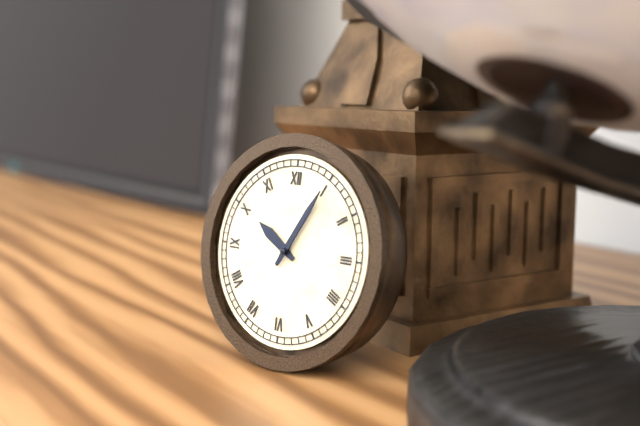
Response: **10:05**
